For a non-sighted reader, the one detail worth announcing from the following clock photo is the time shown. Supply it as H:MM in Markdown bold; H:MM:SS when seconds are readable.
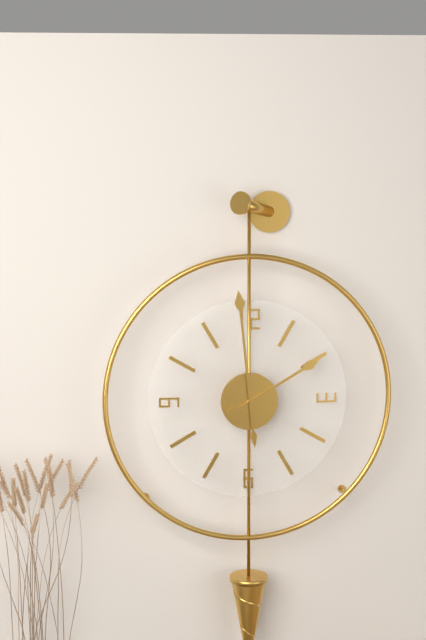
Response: **1:59**
